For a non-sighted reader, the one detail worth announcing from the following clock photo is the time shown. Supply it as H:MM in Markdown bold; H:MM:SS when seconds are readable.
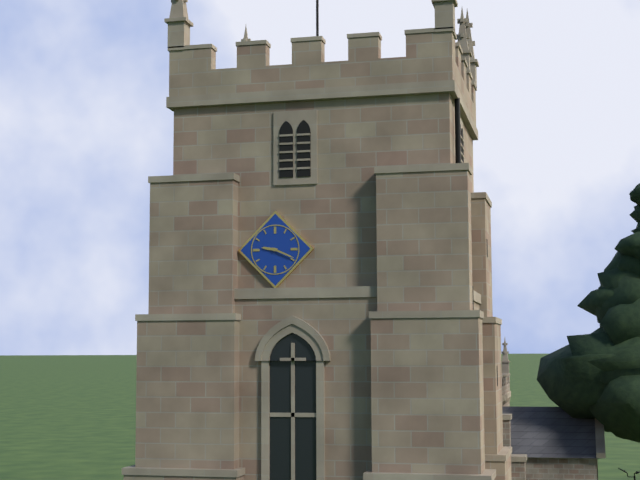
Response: **9:19**
